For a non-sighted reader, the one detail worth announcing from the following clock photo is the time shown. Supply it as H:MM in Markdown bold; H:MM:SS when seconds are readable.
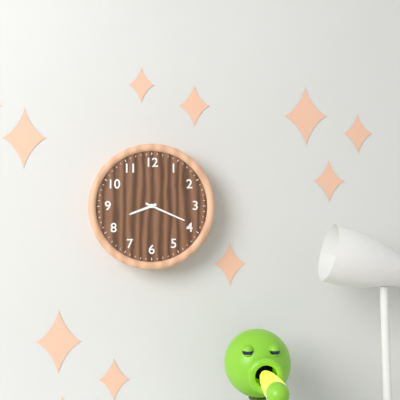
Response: **8:19**
